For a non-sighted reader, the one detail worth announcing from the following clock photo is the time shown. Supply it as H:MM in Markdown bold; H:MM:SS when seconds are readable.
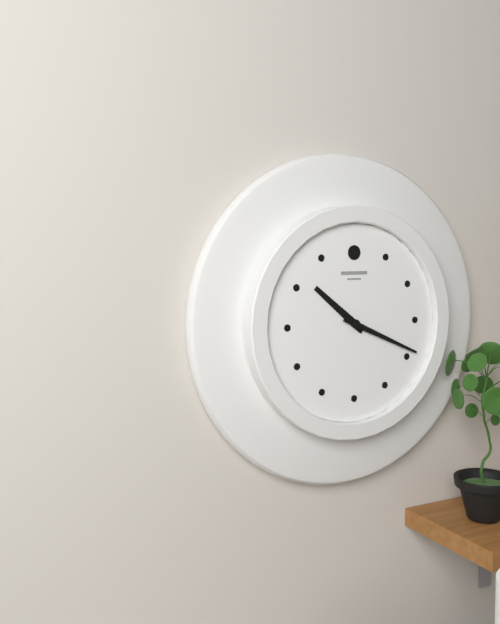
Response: **10:19**
